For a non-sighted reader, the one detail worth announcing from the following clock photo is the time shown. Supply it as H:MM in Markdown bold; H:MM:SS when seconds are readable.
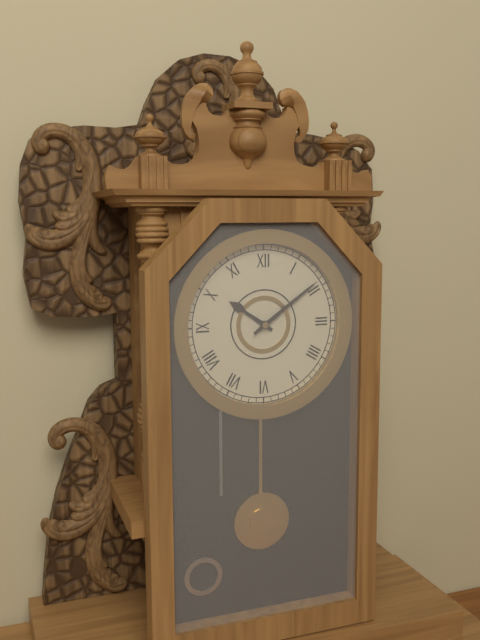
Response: **10:09**
